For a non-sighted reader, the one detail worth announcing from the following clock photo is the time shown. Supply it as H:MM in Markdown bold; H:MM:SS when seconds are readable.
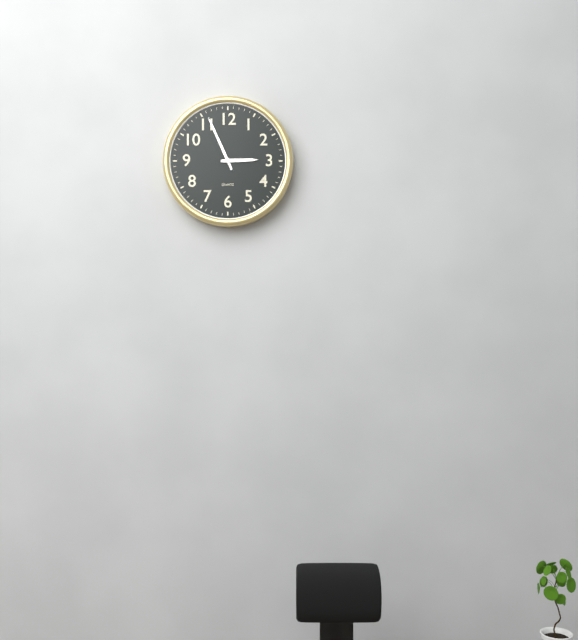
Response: **2:56**
